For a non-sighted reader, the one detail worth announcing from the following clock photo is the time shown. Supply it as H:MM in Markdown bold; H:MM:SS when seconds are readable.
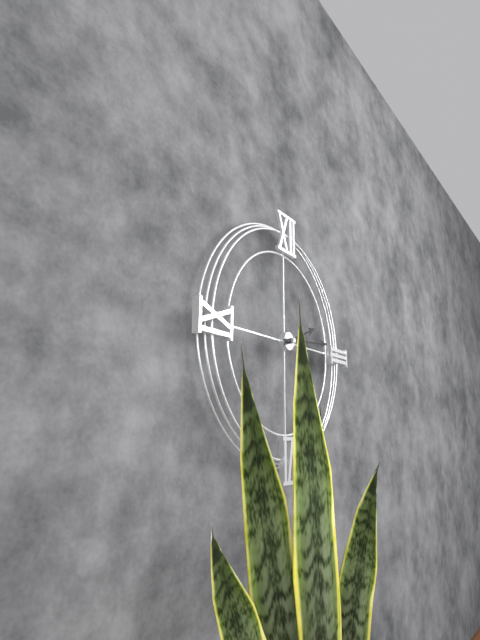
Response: **2:14**
